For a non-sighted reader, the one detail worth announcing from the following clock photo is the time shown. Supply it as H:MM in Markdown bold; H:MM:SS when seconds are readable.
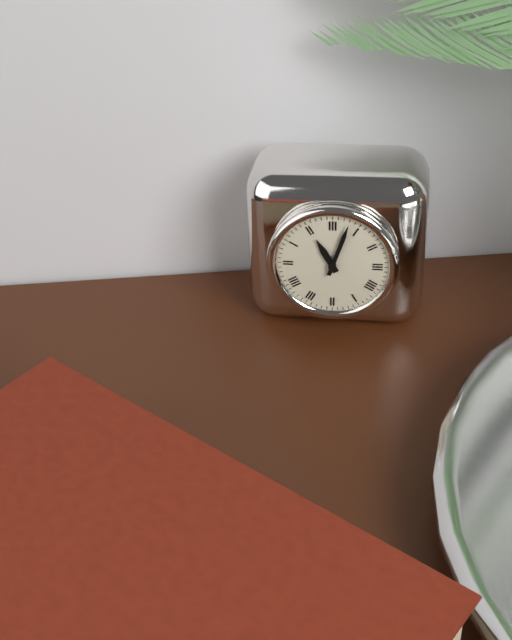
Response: **11:03**
